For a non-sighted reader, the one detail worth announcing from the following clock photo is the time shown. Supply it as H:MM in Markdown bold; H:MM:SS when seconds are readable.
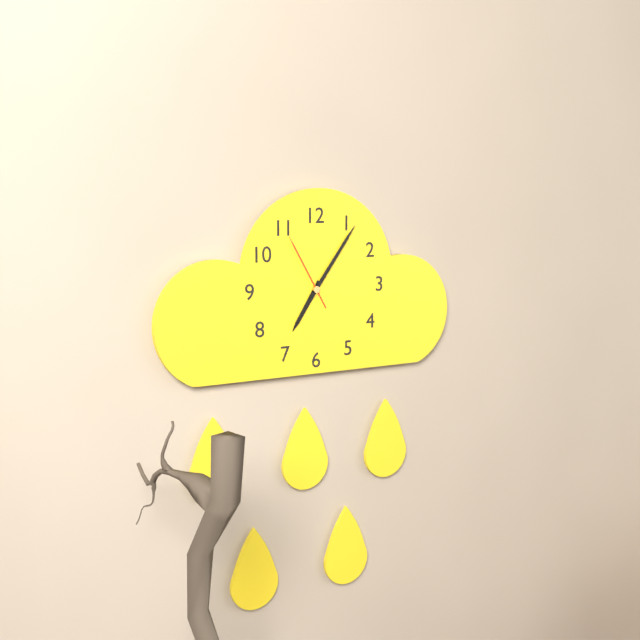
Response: **7:06:55**
